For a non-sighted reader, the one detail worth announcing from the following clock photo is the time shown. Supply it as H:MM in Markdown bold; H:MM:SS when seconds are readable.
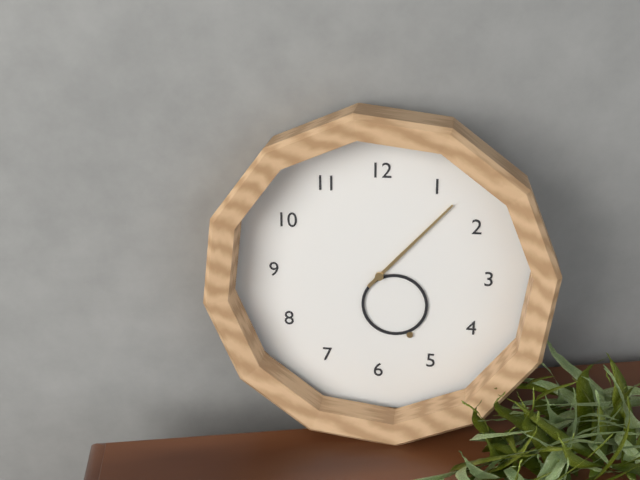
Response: **5:07**
